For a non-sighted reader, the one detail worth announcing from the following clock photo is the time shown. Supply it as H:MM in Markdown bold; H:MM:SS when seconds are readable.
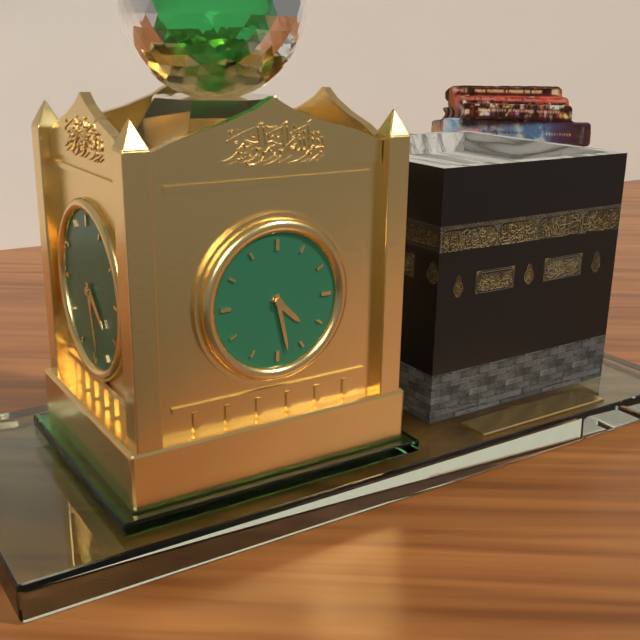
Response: **4:28**
